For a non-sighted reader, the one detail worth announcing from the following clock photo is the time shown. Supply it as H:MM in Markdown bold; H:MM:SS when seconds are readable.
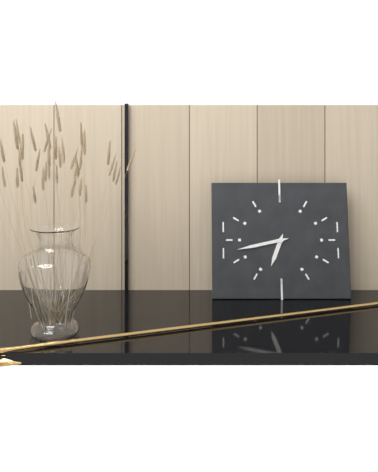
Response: **6:43**
